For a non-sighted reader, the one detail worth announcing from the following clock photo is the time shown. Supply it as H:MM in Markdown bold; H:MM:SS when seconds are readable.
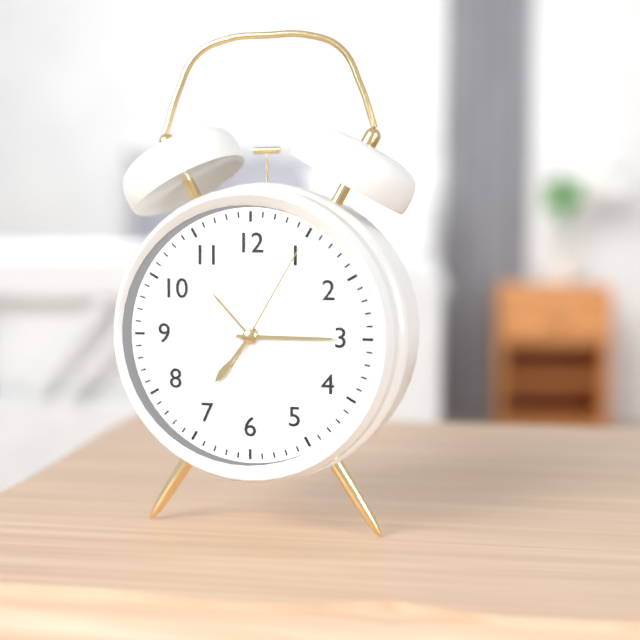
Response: **7:15:05**
